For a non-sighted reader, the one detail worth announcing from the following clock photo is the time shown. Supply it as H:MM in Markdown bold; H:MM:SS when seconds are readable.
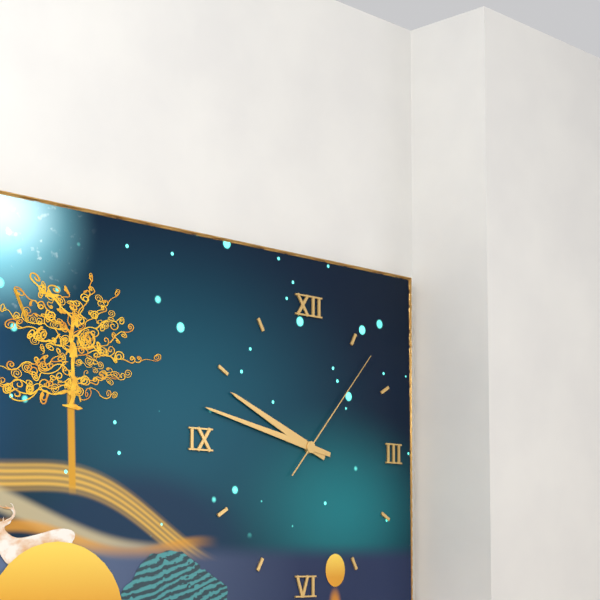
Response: **9:47:07**
